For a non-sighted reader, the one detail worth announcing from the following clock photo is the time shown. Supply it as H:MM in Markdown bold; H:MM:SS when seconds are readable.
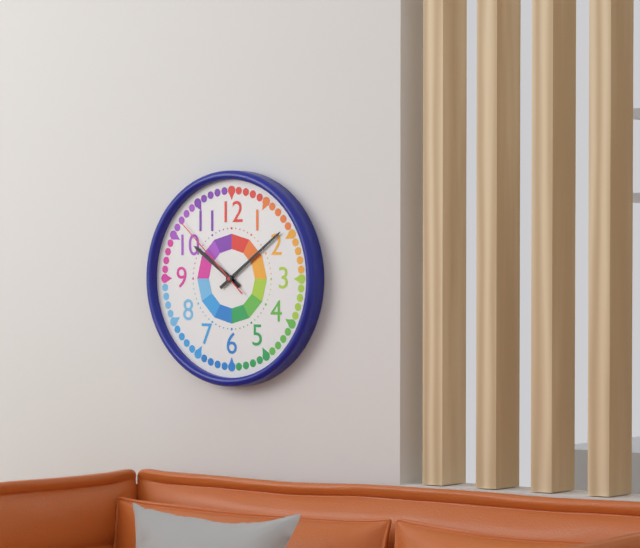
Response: **10:09:52**
